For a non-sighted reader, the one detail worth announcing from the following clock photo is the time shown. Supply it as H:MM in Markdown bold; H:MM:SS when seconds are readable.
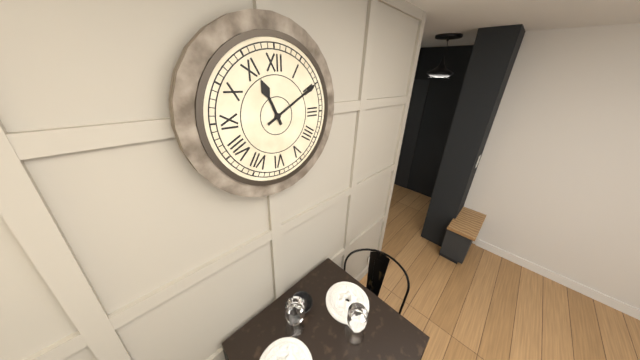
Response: **11:10**
